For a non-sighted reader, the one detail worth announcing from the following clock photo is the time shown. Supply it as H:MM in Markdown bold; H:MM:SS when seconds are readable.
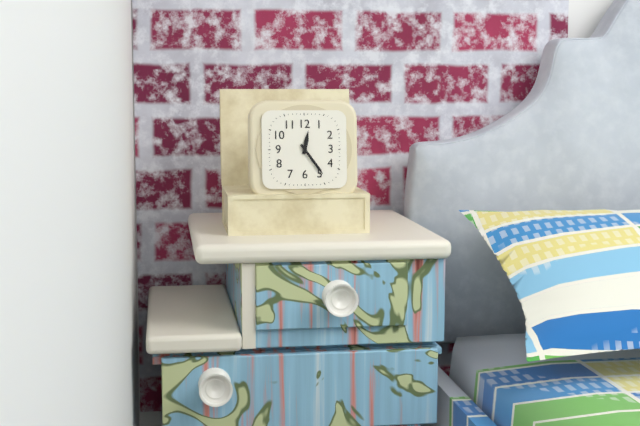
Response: **12:24**
